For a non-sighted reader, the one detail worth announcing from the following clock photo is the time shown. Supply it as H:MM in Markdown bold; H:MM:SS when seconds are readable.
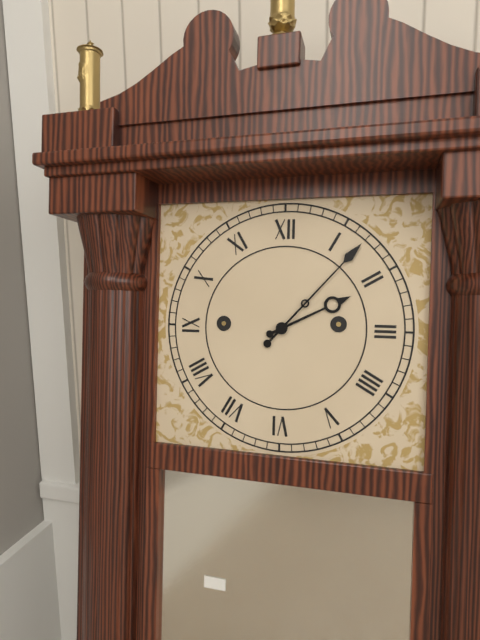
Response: **2:07**
